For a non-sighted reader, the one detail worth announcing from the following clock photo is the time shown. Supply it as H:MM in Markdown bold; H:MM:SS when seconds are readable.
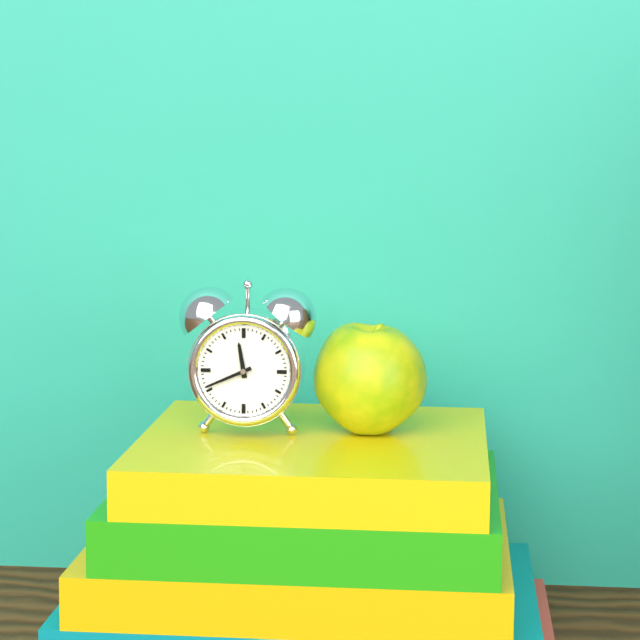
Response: **11:41**
